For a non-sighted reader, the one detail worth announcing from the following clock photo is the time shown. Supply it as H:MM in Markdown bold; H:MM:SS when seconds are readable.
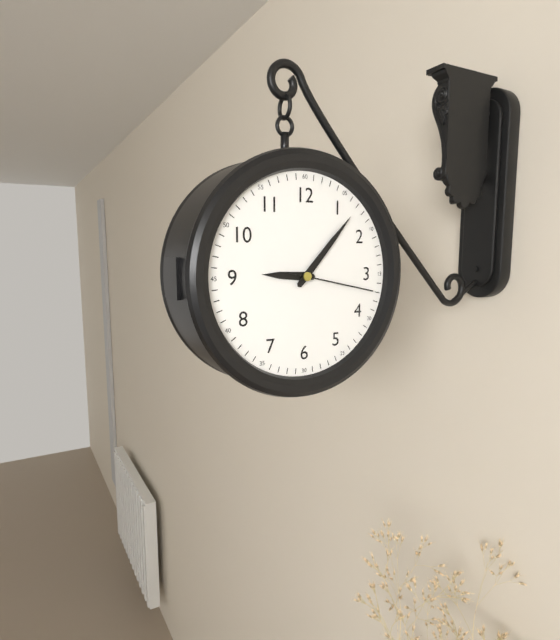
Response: **9:07:17**
